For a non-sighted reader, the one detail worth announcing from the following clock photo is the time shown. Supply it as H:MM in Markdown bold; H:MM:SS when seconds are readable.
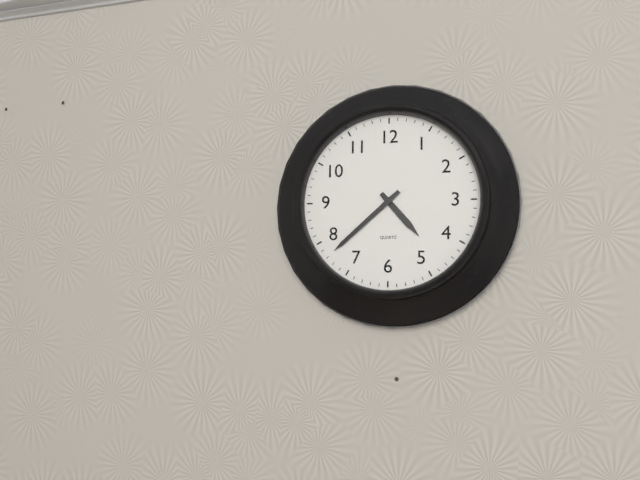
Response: **4:38**
